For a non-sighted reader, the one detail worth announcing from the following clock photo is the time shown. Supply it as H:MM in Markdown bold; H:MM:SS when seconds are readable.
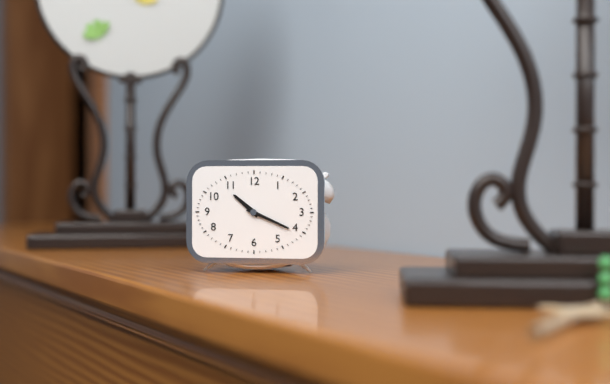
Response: **10:19**
